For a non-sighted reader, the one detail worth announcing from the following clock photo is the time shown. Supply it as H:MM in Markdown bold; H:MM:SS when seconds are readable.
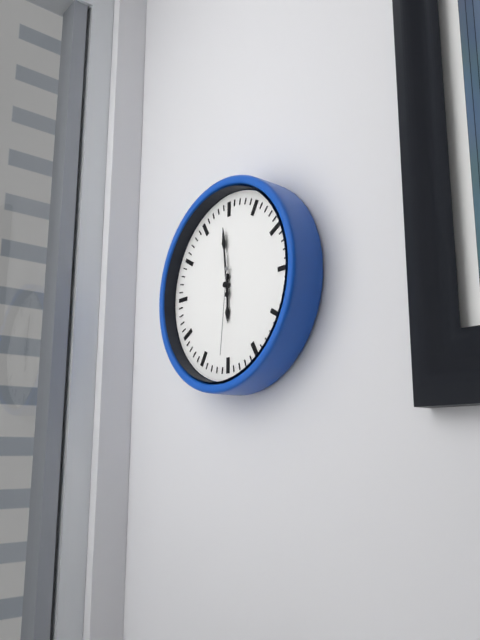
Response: **5:59:31**
